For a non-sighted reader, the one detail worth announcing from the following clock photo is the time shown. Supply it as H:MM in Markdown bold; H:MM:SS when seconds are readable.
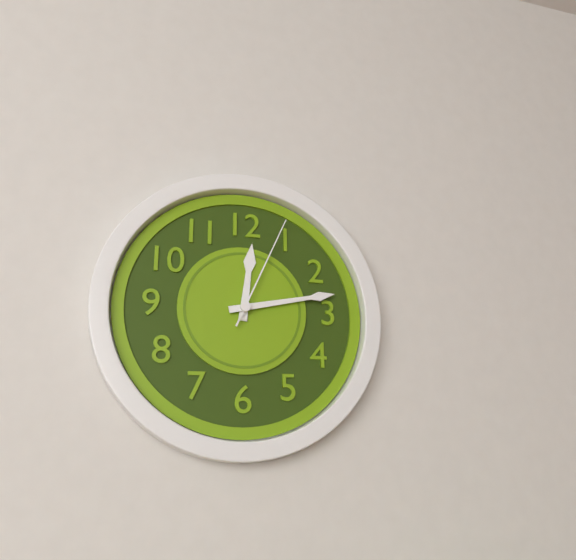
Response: **12:13:04**
